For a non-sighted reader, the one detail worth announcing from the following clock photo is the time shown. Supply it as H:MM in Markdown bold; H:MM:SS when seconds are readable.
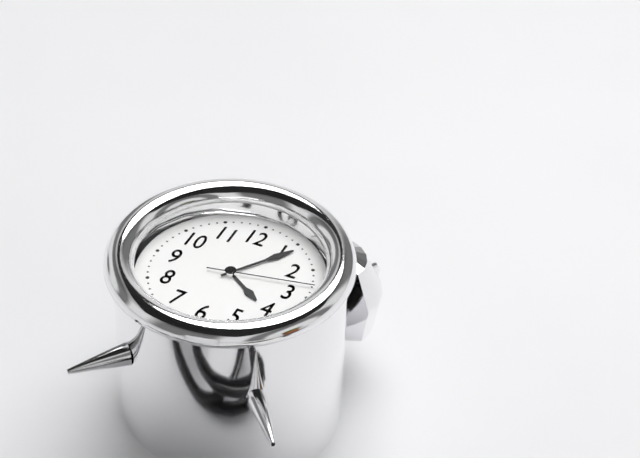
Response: **4:06:13**
